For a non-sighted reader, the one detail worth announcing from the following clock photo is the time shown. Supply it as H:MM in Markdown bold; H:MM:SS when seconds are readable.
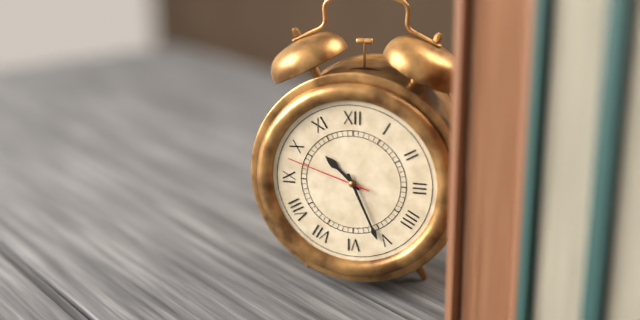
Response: **10:26:48**
